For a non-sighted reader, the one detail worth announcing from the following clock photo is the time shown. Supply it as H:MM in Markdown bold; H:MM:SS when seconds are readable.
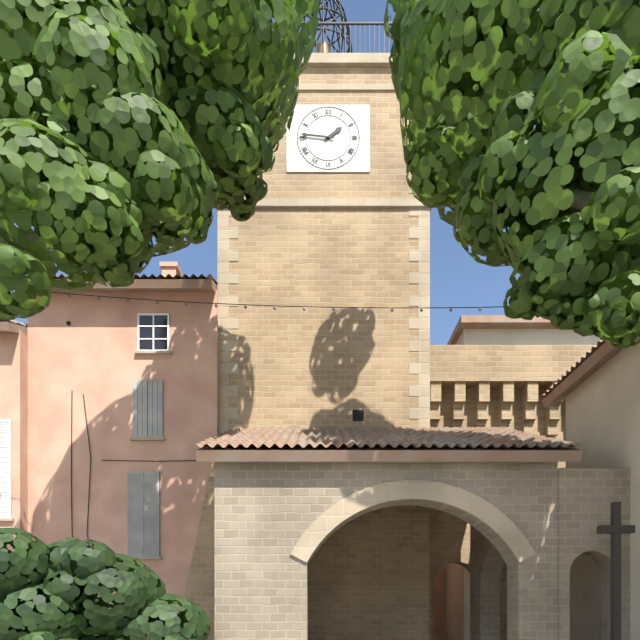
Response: **1:46**
